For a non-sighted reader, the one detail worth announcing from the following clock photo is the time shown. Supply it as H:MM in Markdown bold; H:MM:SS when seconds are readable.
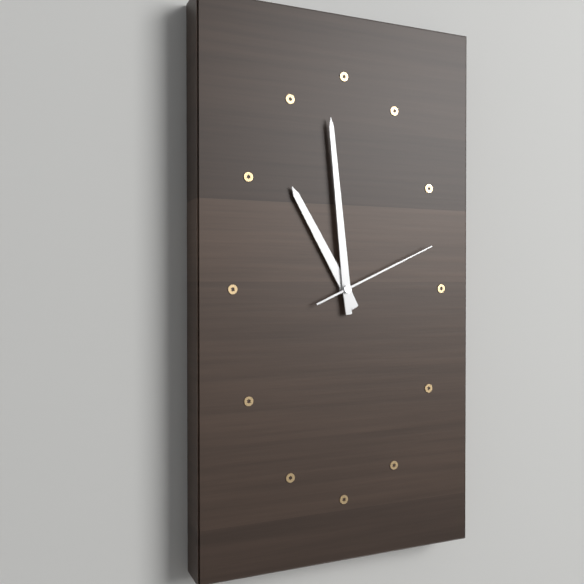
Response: **10:59:11**
